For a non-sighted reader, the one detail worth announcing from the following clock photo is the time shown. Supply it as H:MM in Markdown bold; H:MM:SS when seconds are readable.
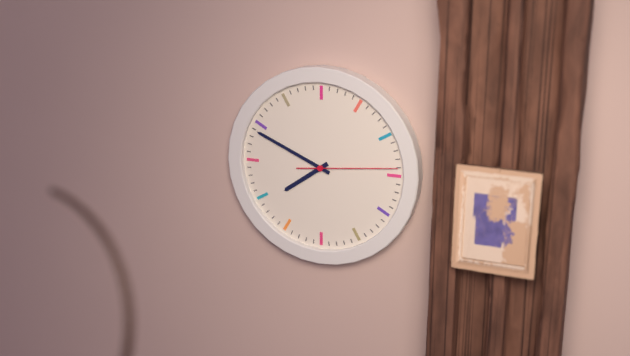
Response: **7:49:14**
